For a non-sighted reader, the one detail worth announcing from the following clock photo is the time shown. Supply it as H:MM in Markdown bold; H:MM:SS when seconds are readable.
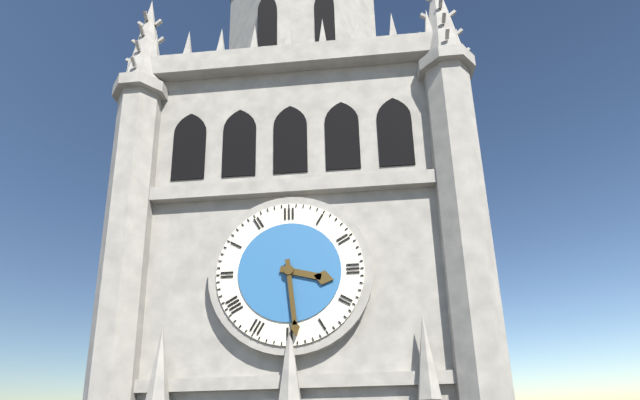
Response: **3:29**
